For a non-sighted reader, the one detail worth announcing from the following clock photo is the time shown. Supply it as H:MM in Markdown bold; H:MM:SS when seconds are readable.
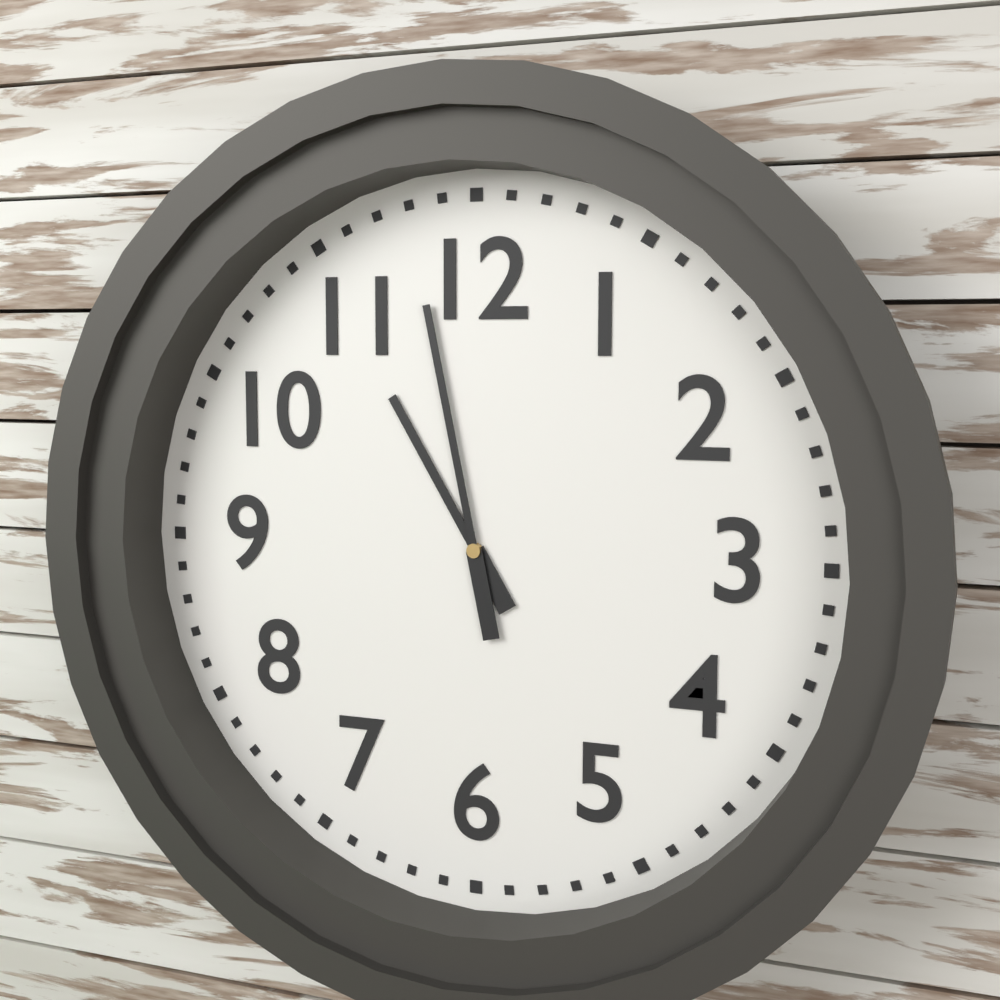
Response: **10:58**
